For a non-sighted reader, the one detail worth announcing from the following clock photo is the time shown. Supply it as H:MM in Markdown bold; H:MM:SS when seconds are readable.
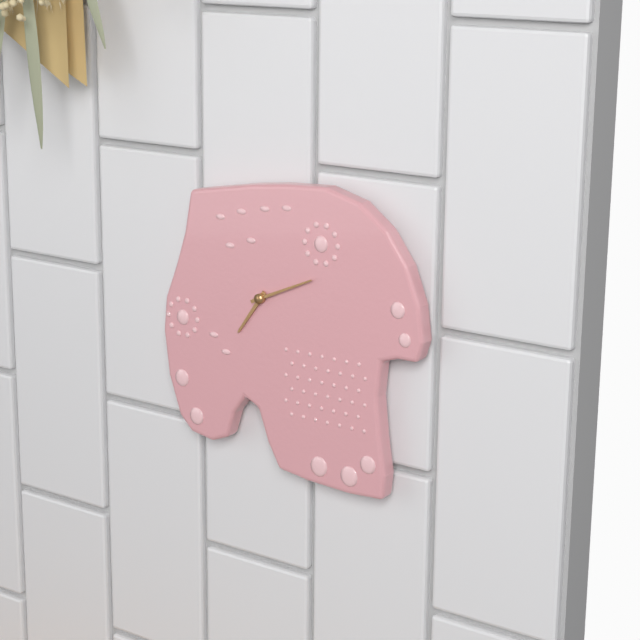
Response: **7:11**
